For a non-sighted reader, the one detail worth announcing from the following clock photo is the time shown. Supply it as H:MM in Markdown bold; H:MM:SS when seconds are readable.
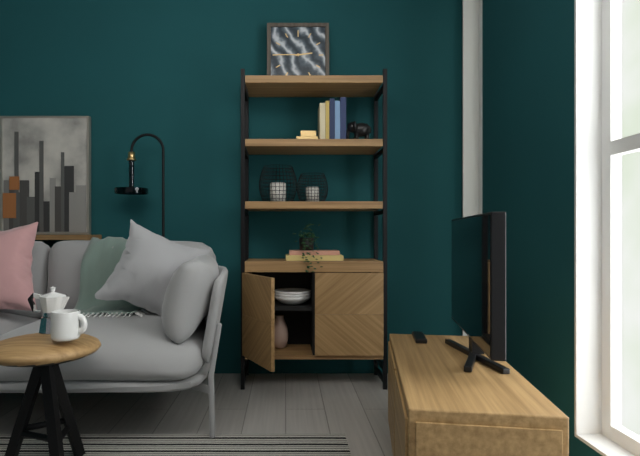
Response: **2:45**
